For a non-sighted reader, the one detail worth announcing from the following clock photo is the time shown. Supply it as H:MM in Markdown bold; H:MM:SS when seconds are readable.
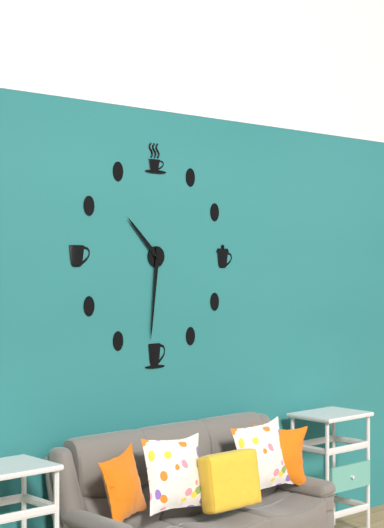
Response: **10:31**
